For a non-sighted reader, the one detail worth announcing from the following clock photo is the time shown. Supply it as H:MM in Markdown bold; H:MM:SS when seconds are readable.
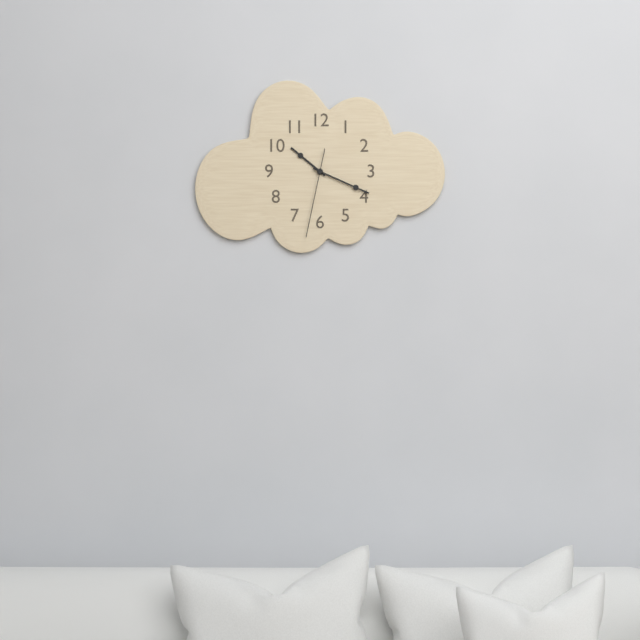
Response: **10:19:32**
